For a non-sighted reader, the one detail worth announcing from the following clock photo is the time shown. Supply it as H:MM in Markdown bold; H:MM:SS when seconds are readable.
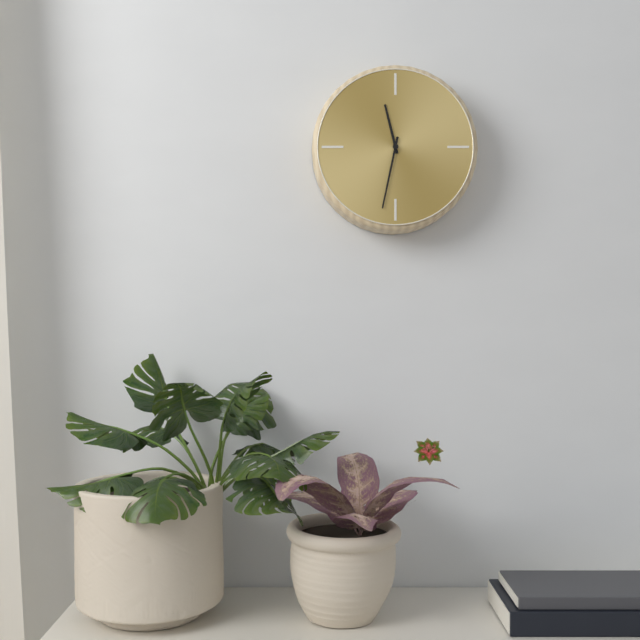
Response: **11:32**
